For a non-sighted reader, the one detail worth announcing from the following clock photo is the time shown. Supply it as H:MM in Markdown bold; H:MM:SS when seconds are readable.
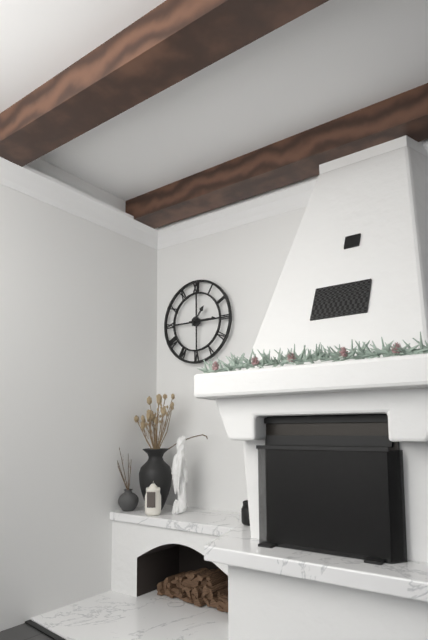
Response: **1:15**
